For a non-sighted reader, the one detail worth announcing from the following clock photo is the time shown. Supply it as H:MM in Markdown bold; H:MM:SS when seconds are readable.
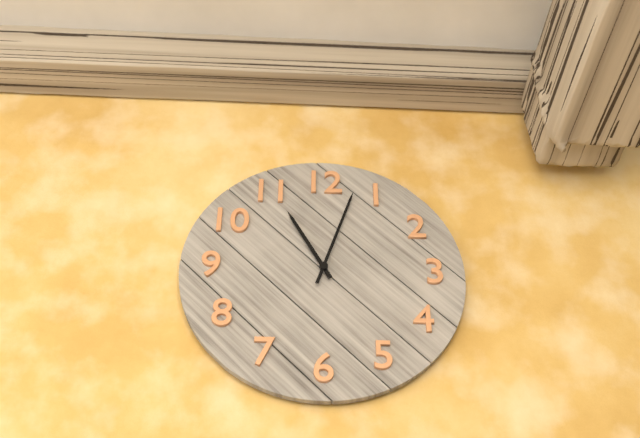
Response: **11:03**
